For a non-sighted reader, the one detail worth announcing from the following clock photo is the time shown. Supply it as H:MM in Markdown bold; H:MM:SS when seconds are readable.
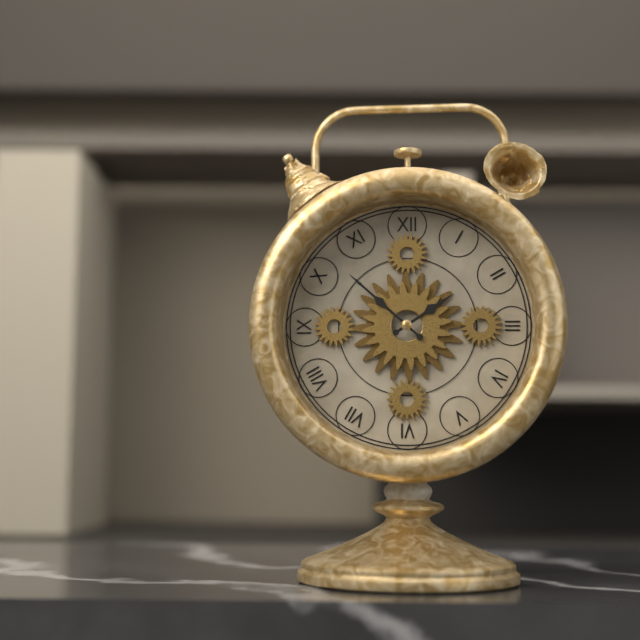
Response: **1:52**
